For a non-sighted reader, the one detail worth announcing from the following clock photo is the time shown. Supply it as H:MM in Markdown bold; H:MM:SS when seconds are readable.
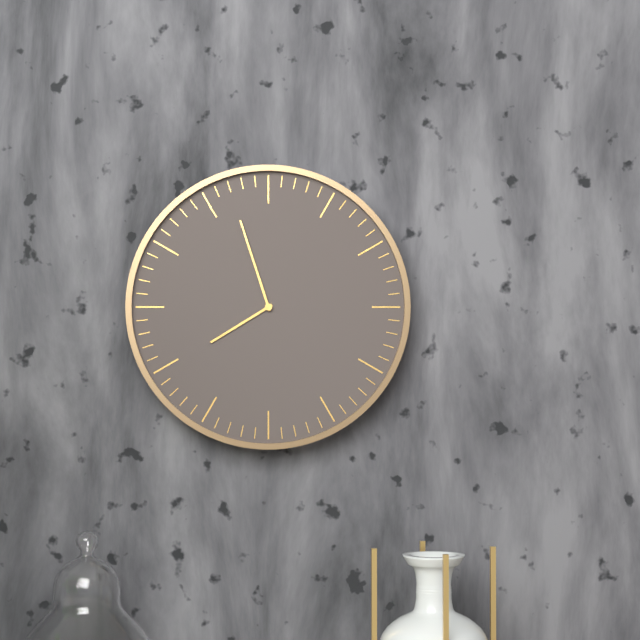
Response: **7:57**
